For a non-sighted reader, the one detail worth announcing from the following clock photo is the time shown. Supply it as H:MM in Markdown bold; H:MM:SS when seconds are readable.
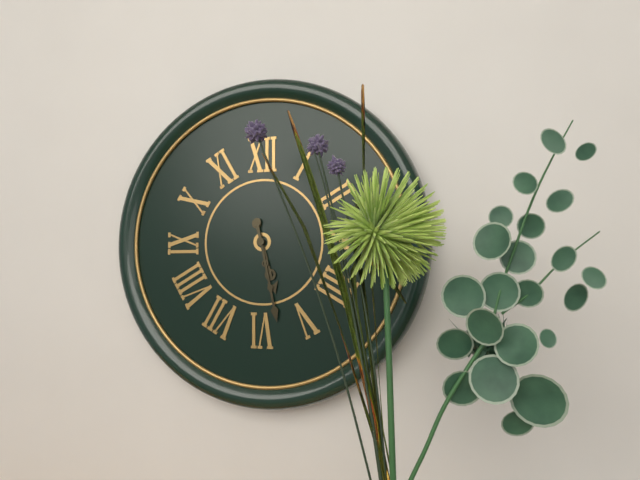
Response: **5:28**
